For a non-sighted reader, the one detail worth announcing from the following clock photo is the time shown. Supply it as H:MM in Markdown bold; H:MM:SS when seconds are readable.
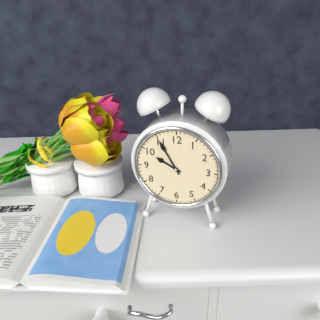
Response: **9:55**
